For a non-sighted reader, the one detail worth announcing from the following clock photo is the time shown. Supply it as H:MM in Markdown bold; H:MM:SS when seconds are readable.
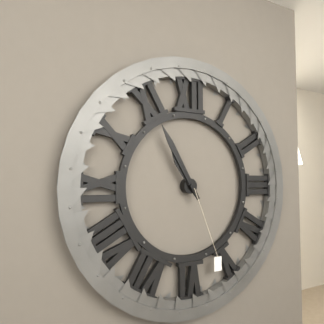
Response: **10:55**
